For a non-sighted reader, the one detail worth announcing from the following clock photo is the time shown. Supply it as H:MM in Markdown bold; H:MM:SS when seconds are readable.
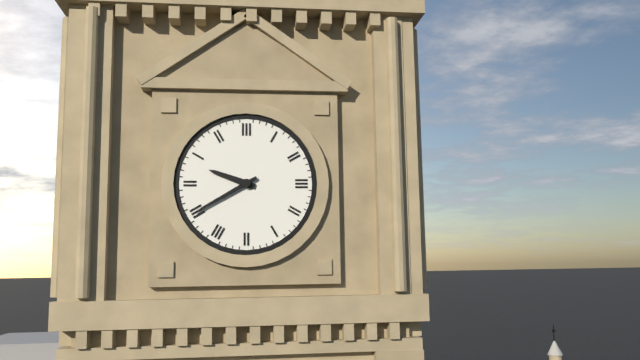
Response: **9:40**
